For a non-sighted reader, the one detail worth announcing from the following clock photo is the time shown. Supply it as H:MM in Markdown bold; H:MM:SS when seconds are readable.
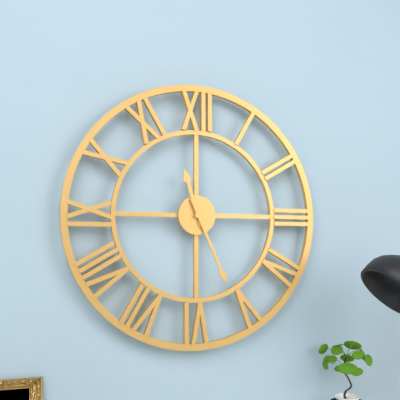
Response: **11:26**
